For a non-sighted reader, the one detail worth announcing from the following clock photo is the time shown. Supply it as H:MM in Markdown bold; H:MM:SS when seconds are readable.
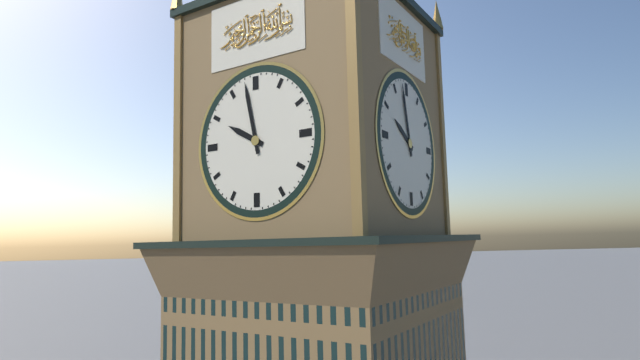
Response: **9:58**
